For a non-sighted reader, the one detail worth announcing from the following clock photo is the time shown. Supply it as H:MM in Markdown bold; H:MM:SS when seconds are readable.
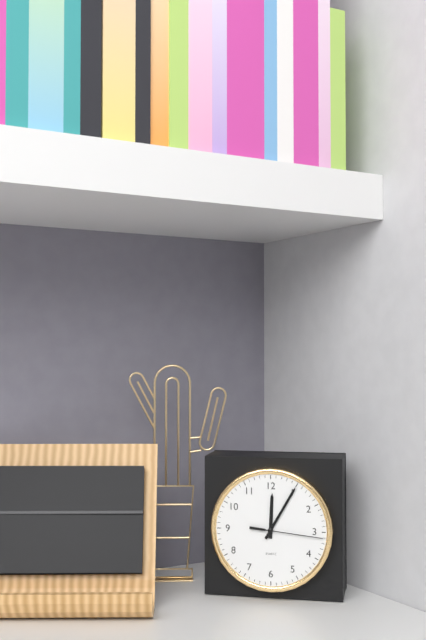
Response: **12:05:16**
